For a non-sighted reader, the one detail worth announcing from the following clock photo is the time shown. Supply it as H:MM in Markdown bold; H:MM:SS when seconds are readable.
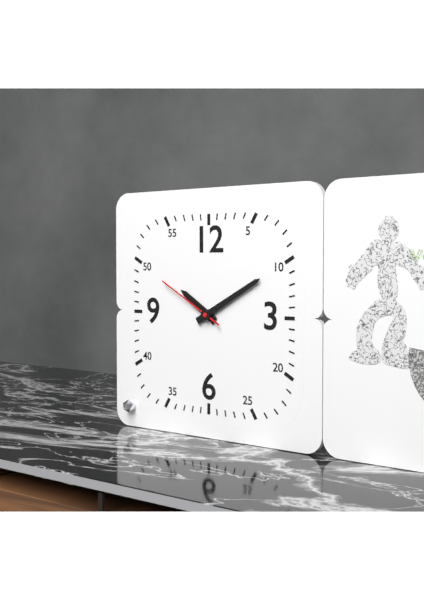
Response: **10:10:50**
